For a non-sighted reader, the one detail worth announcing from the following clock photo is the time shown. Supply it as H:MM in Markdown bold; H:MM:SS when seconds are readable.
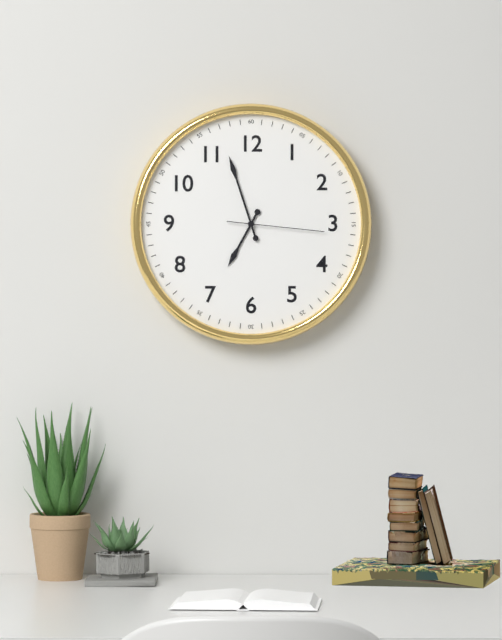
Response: **6:57:16**
